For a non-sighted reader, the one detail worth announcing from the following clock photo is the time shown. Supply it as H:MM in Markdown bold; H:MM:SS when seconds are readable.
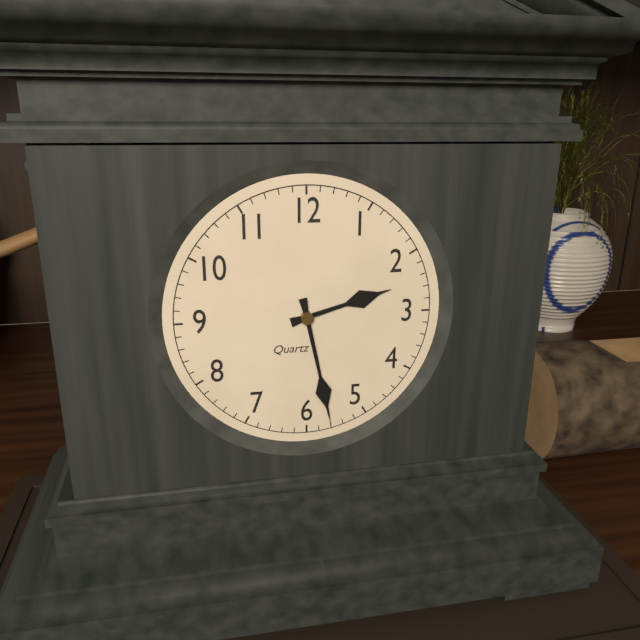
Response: **2:28**
